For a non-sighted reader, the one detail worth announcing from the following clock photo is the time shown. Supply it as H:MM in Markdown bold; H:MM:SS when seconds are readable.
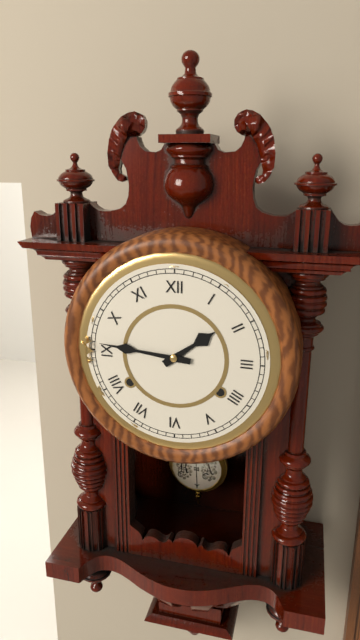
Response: **1:46**
